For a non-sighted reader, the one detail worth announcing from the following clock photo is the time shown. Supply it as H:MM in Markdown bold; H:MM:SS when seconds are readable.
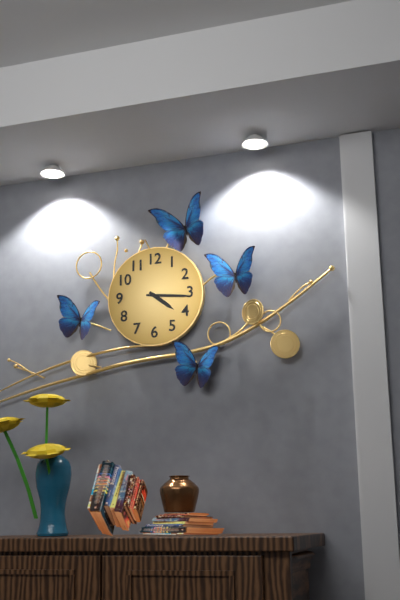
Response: **4:16**
